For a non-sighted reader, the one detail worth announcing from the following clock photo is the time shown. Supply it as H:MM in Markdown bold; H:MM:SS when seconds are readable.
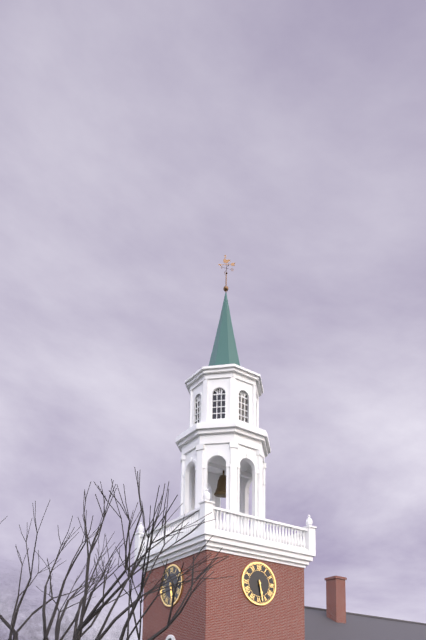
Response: **5:28**
